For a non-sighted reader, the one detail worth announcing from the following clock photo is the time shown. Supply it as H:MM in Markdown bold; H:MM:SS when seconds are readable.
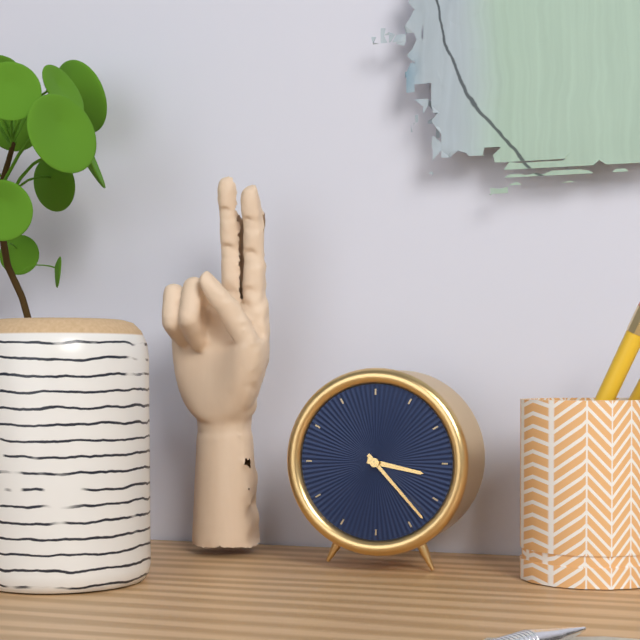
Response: **3:23**
